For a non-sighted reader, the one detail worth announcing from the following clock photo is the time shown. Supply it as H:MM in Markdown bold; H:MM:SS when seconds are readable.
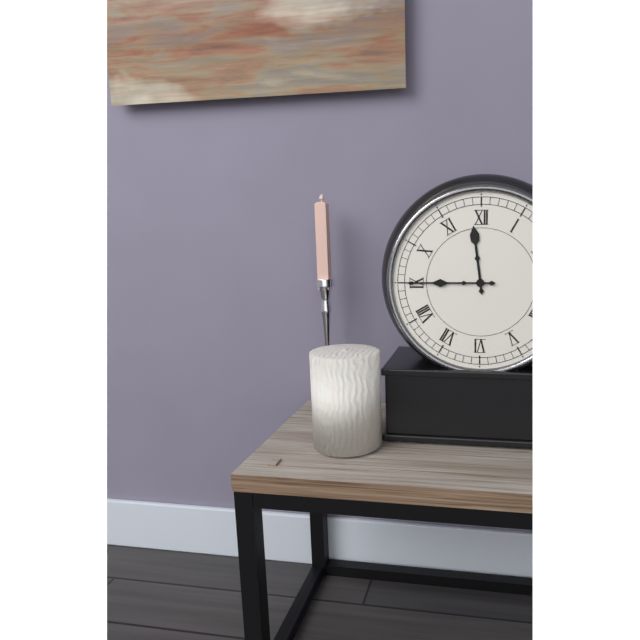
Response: **11:45**
